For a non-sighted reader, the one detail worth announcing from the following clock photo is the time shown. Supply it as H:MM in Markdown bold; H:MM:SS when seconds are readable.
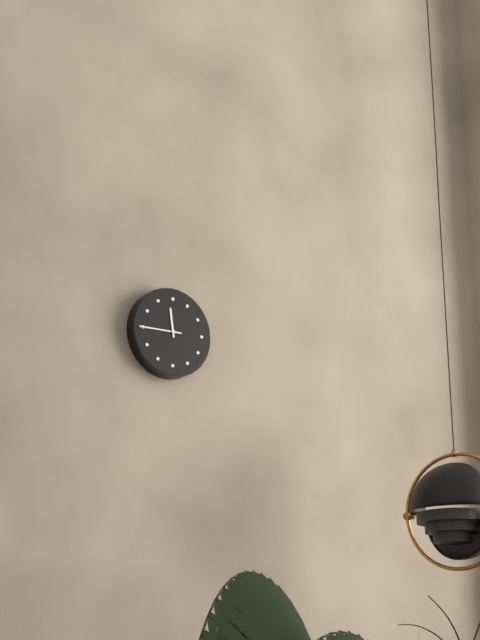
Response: **11:45**
